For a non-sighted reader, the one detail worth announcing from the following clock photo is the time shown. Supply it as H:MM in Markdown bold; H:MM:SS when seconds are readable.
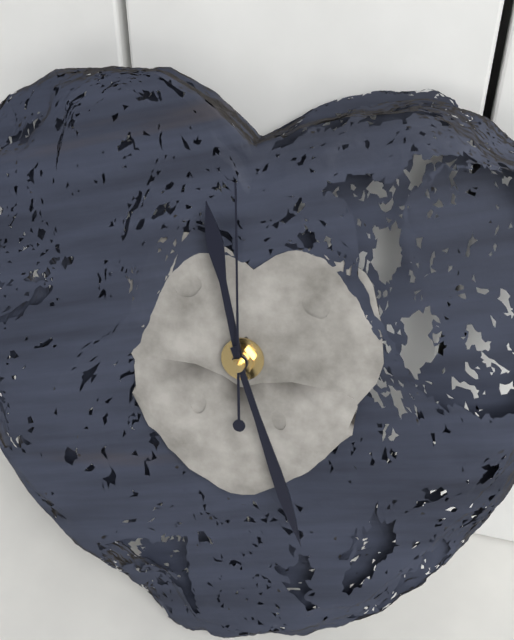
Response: **11:26:59**
